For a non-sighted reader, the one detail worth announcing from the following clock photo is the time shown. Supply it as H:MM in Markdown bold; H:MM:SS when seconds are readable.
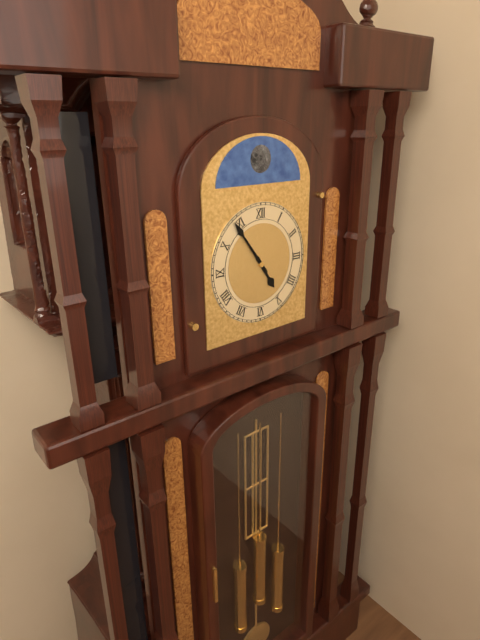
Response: **4:54**
